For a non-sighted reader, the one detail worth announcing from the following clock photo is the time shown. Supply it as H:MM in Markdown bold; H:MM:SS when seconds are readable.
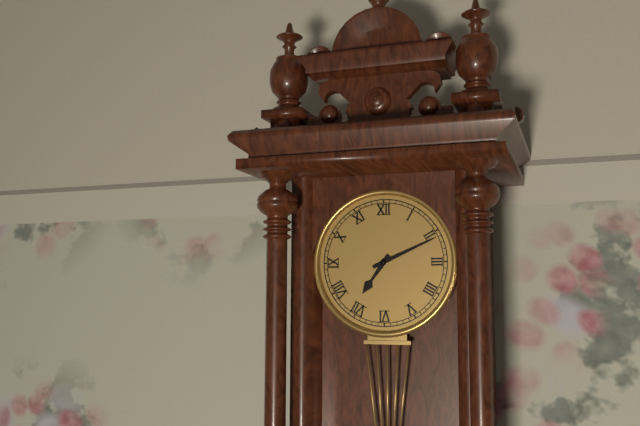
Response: **7:11**
